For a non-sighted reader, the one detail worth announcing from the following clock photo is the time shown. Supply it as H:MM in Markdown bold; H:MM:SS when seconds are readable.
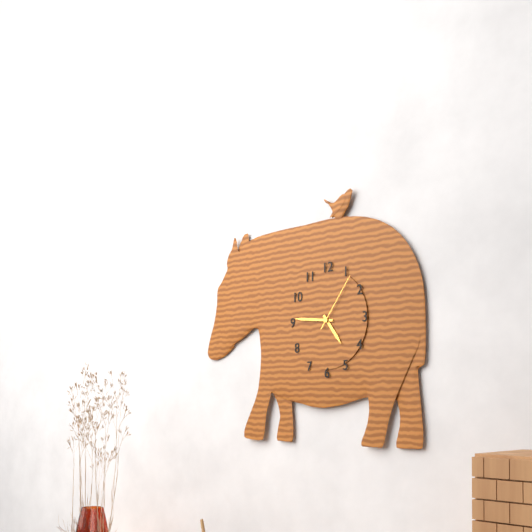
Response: **4:46:06**
